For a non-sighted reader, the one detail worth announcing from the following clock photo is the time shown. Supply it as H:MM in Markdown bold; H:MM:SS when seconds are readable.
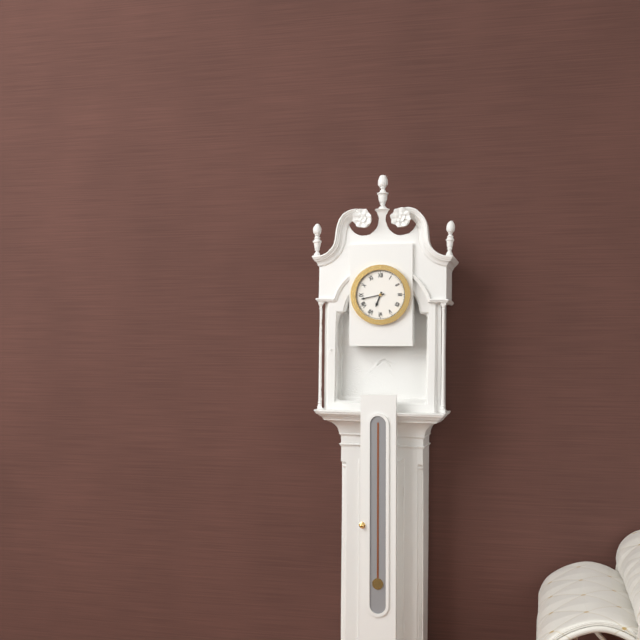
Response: **6:43**
